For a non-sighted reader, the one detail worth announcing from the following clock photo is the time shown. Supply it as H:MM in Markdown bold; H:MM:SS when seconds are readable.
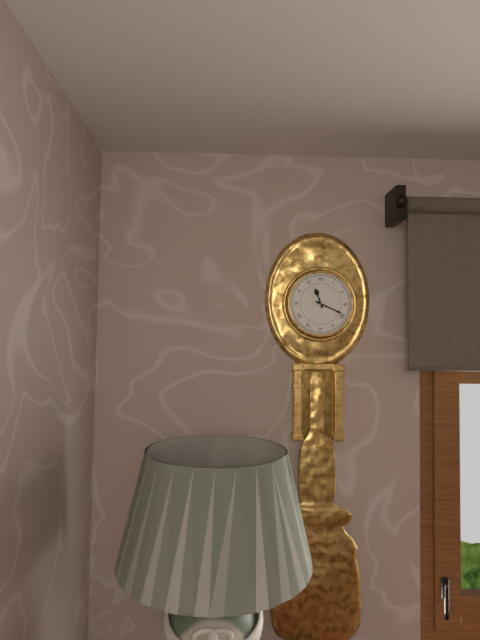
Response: **11:19**
